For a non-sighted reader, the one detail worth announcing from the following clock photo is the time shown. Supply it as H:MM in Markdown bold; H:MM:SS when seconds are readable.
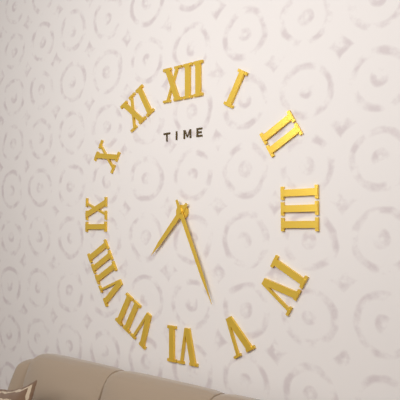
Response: **7:26**
